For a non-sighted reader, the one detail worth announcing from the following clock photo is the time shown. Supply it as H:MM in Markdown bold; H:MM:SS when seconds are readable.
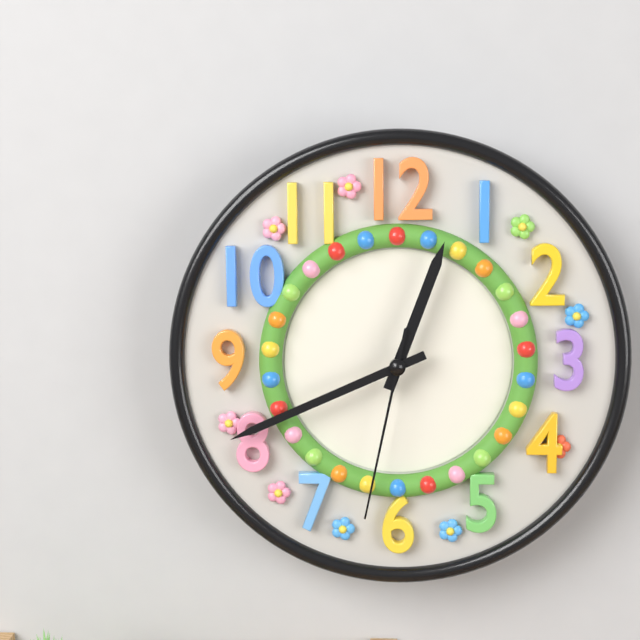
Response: **12:41:32**
